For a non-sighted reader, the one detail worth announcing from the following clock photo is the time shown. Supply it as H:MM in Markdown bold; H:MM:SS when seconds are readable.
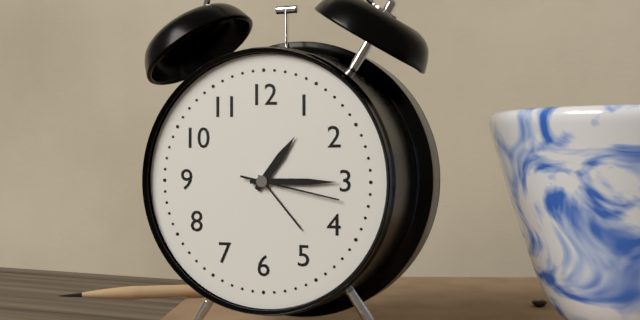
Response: **1:15:17**
